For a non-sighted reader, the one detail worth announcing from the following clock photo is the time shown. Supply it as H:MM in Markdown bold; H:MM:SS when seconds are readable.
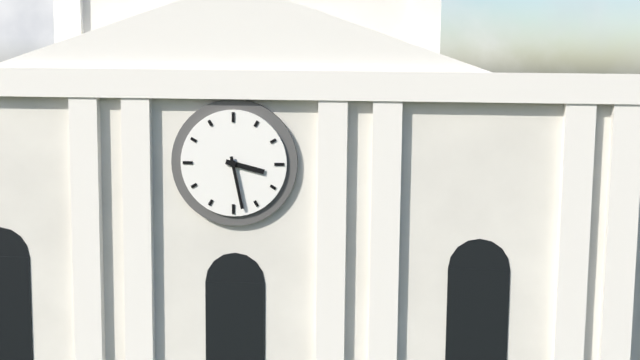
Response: **3:28**
